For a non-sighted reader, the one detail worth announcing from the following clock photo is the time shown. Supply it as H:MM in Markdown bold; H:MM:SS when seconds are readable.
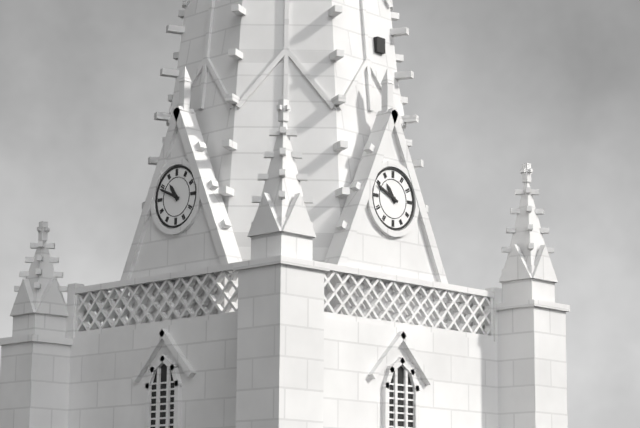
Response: **10:49**
